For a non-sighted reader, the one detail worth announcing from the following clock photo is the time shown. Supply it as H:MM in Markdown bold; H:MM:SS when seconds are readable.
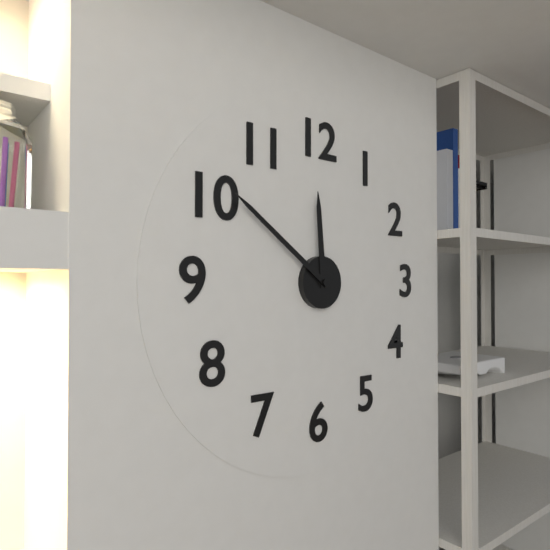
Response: **11:51**
